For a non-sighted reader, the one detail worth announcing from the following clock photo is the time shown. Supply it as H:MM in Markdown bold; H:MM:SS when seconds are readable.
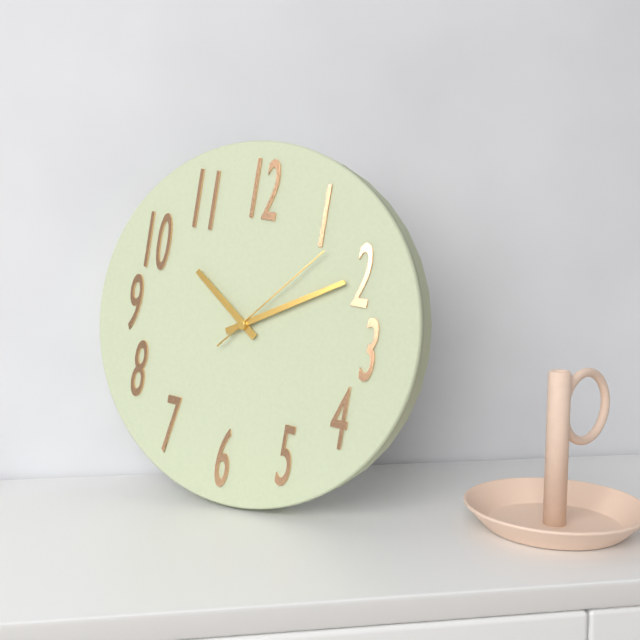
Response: **10:10:07**
